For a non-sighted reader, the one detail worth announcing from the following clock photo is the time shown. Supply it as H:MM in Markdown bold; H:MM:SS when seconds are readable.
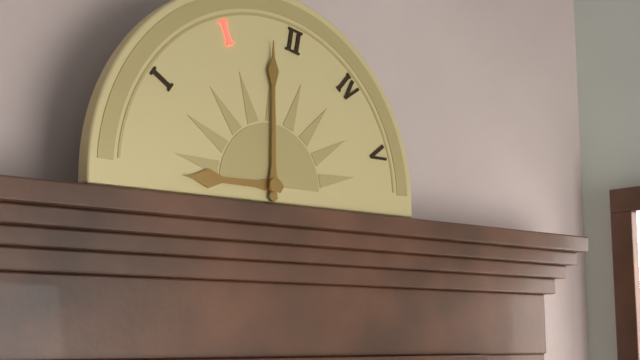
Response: **9:00**
